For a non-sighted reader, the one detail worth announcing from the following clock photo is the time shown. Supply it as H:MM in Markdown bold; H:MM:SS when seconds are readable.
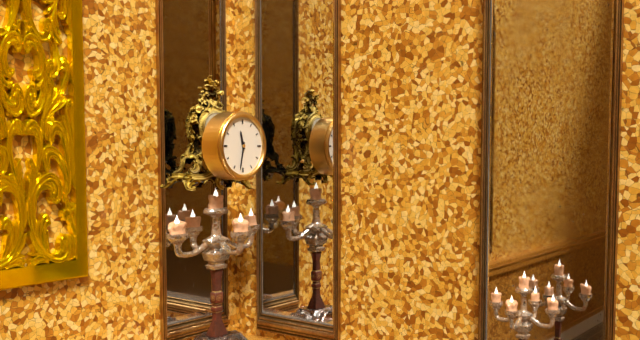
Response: **11:32**
